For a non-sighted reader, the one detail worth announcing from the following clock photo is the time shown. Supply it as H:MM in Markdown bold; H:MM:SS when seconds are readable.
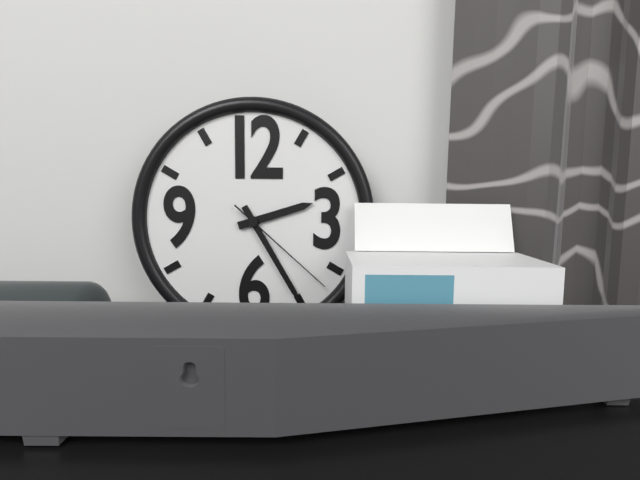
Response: **2:25:22**
